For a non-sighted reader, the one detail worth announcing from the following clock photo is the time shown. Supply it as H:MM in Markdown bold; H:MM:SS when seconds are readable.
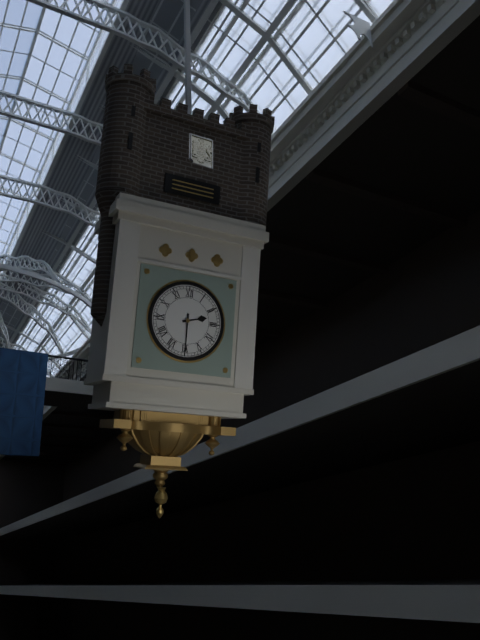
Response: **2:30**
